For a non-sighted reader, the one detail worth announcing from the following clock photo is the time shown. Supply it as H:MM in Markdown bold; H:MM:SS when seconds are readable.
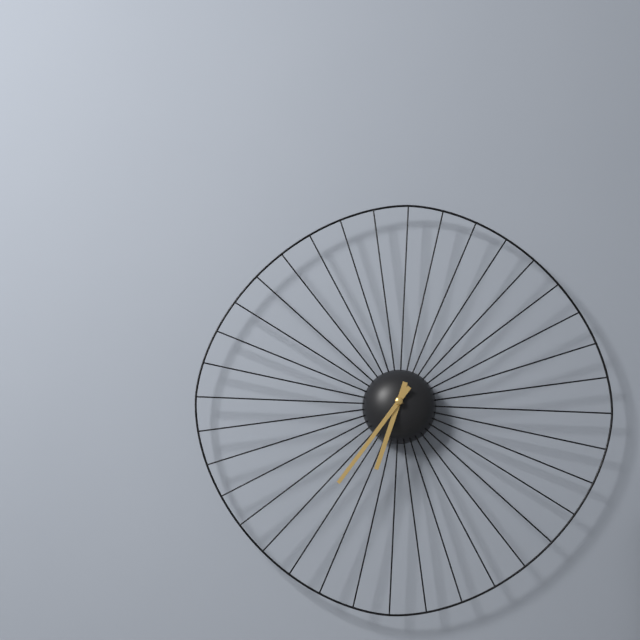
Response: **6:36**
